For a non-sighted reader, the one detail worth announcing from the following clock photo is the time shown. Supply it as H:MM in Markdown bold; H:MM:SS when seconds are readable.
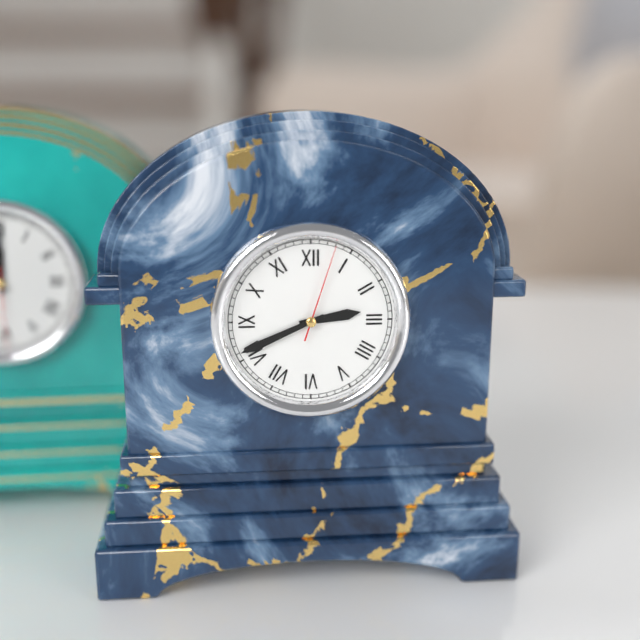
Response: **2:41:03**
